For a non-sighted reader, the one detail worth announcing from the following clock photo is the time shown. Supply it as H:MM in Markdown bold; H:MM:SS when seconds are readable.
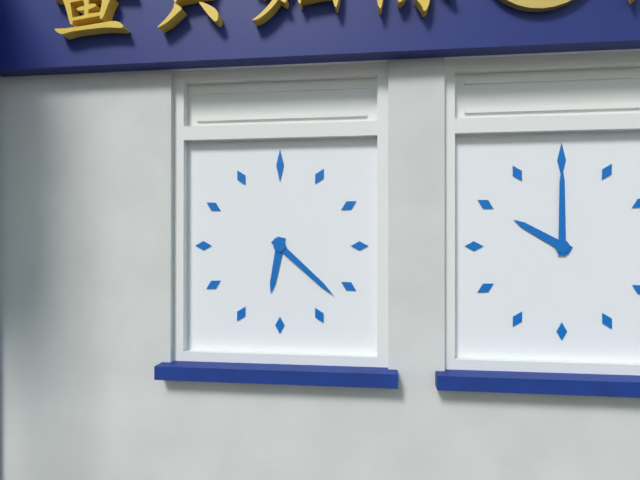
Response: **6:22**
